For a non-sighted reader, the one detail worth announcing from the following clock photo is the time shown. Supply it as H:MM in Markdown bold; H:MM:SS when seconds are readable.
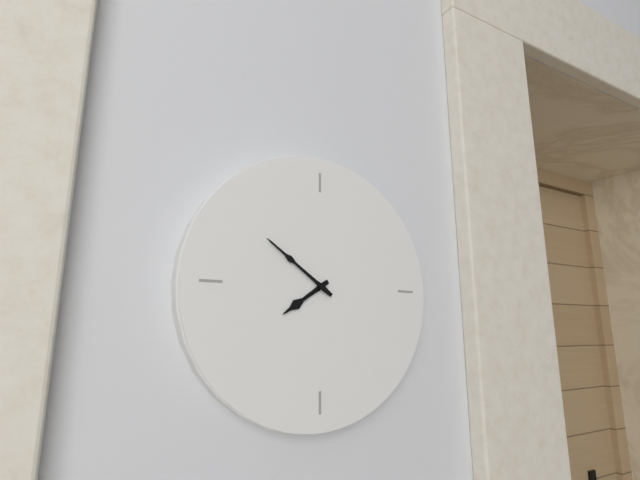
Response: **7:51**
